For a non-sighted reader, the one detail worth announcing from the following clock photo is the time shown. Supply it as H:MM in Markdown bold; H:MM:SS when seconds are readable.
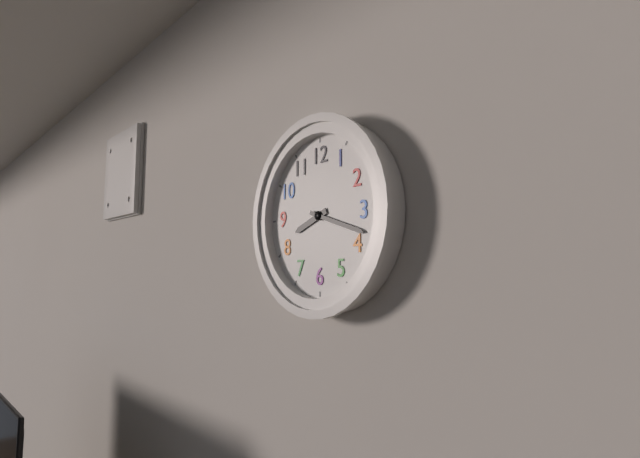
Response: **8:18**
